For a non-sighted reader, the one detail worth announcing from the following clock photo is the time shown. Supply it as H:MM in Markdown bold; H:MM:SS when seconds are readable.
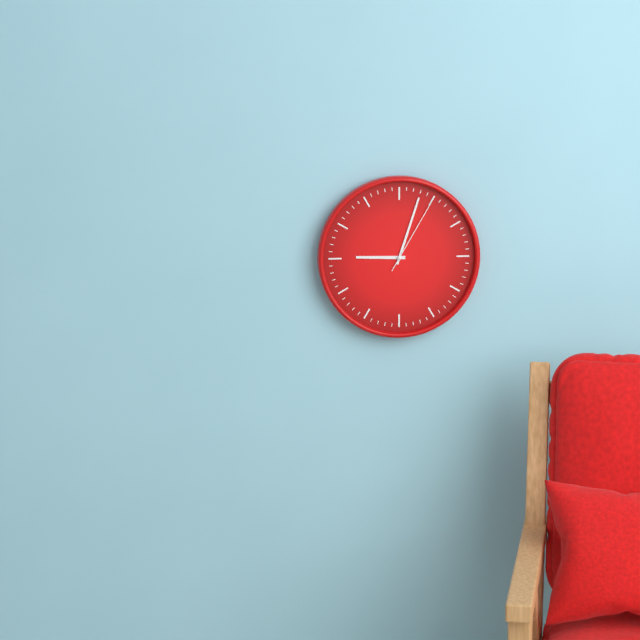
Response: **9:03:05**
